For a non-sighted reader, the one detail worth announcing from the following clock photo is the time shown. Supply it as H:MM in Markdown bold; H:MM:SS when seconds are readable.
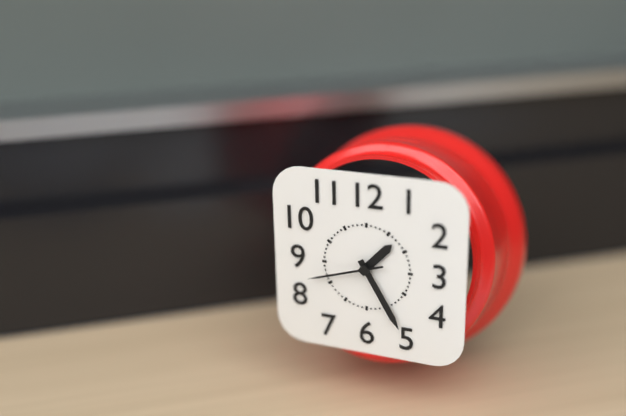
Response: **1:25:42**
